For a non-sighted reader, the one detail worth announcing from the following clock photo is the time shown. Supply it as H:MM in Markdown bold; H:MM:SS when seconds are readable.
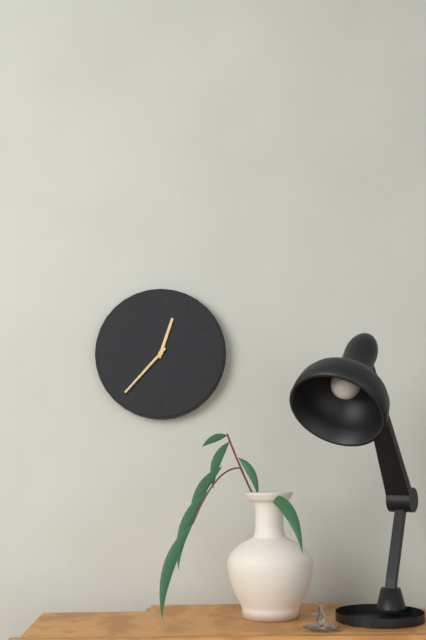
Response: **12:37**
